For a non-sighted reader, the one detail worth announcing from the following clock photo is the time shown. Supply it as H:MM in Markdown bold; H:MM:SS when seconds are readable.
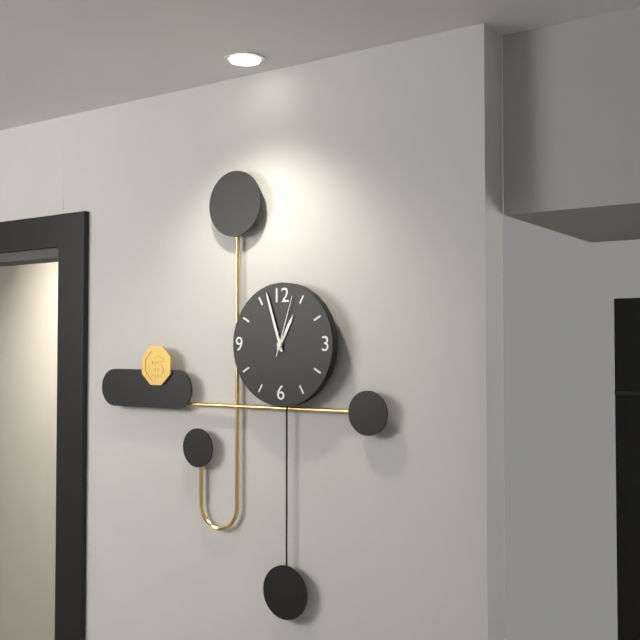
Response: **12:57:03**
